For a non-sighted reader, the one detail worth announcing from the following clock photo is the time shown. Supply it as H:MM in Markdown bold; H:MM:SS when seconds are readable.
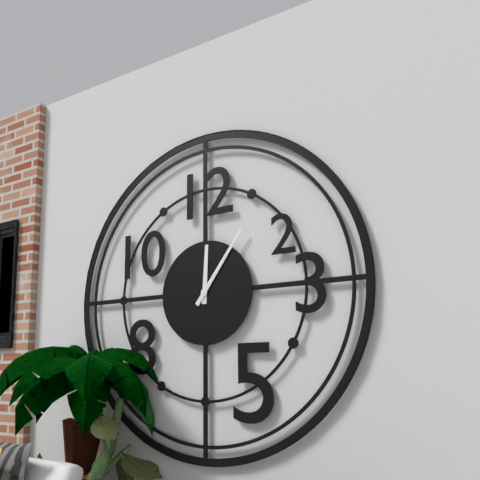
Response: **12:06**
